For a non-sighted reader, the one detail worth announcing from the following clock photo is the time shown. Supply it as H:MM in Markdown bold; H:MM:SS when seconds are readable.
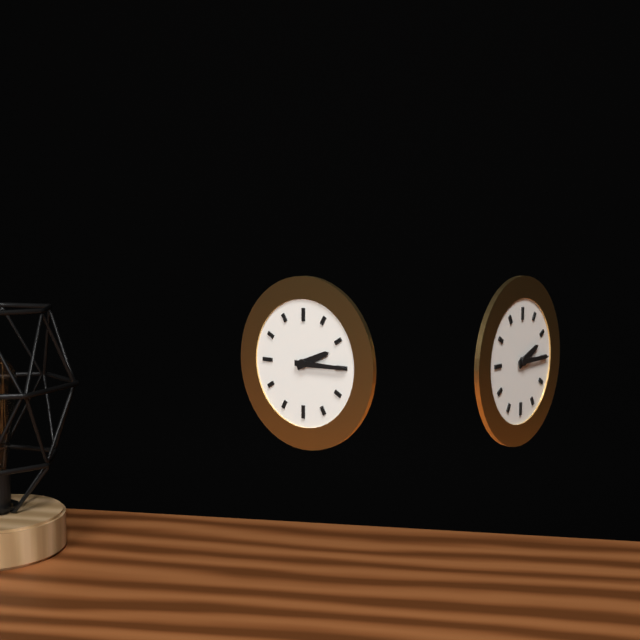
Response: **2:15**
